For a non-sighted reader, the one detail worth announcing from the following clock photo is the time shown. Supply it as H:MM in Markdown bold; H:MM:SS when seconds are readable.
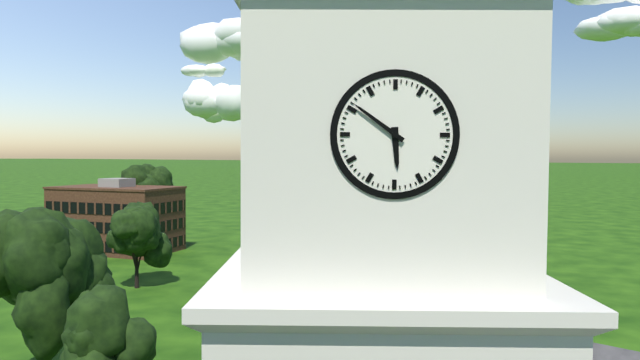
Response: **5:51**
